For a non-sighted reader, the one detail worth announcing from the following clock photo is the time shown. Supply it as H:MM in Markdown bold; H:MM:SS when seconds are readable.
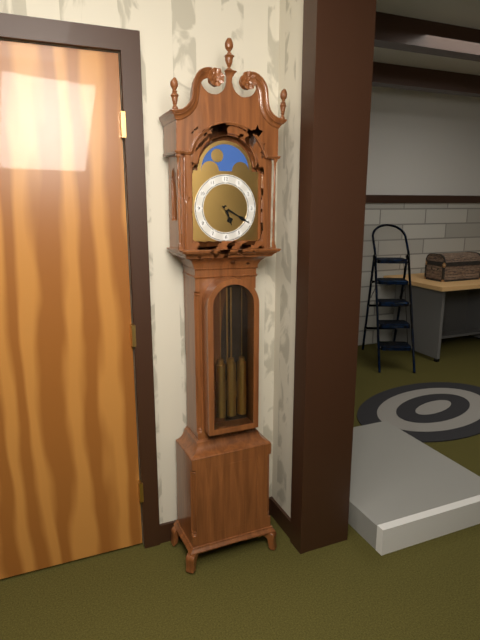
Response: **5:20**
